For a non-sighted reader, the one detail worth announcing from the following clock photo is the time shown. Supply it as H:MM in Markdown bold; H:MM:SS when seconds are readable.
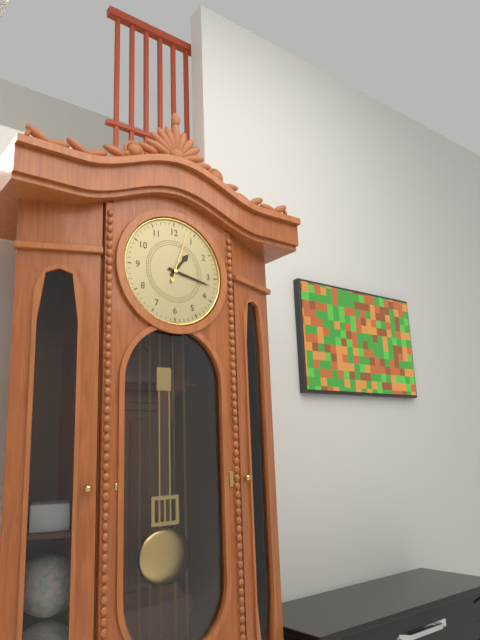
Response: **1:17:03**
